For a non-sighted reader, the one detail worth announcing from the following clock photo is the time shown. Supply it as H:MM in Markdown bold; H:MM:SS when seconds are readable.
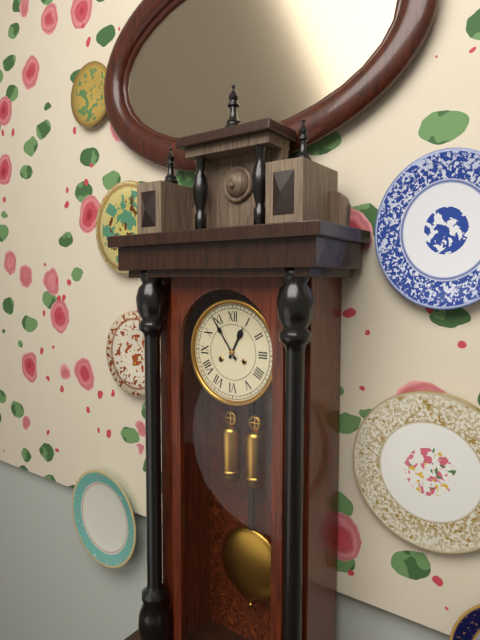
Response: **12:54**
